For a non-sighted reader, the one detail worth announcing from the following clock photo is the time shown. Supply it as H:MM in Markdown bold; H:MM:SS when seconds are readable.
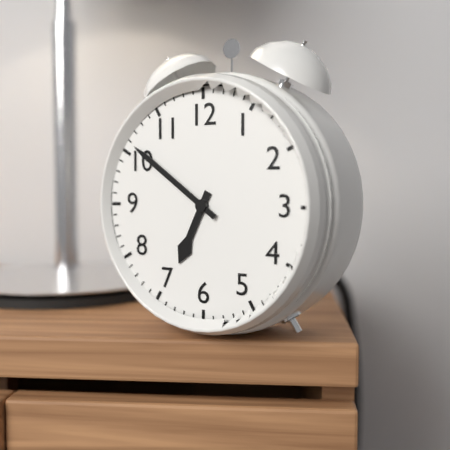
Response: **6:51**
